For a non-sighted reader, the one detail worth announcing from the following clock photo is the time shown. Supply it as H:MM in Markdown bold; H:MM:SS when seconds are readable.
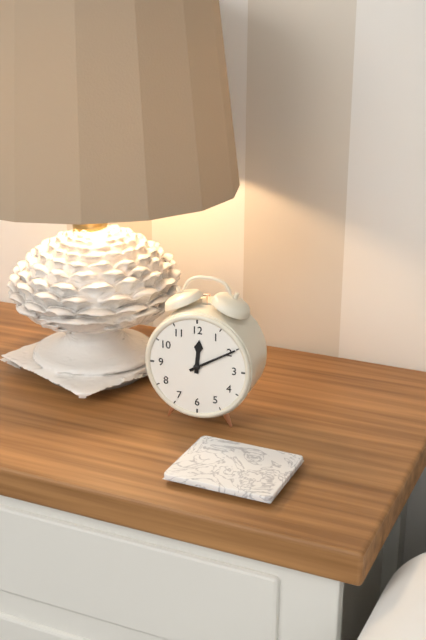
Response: **12:10**
